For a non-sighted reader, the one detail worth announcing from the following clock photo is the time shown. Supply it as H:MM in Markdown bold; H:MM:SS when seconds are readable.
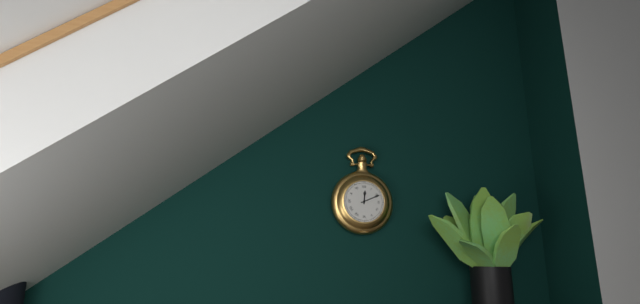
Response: **12:11**
